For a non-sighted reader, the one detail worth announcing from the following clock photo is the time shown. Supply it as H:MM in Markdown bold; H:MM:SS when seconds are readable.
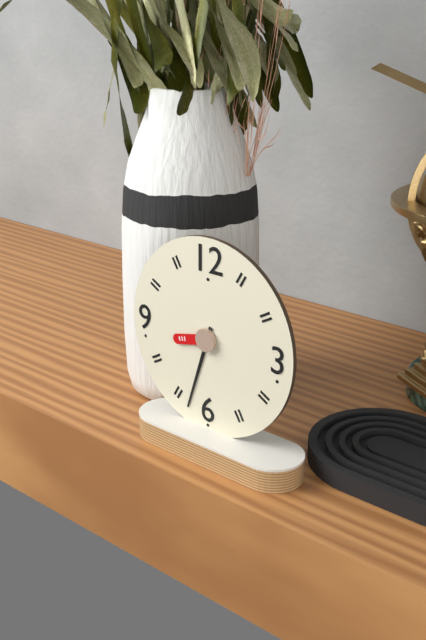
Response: **8:33**
